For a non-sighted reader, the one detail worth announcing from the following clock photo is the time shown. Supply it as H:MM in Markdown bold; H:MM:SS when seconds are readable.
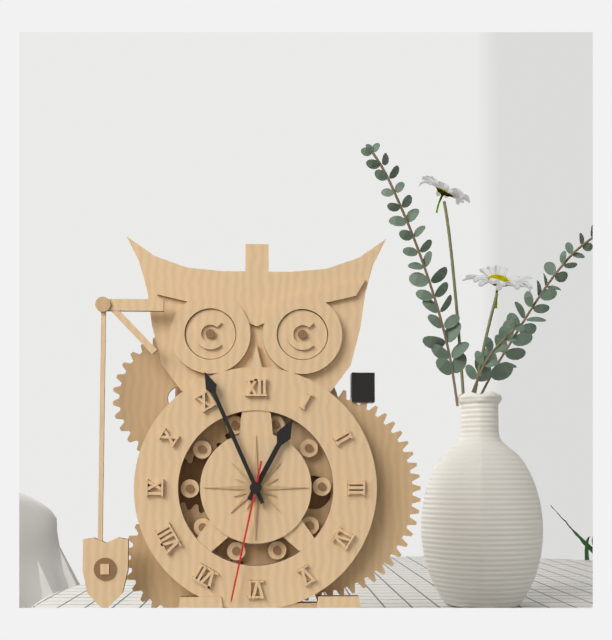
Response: **12:56:32**
